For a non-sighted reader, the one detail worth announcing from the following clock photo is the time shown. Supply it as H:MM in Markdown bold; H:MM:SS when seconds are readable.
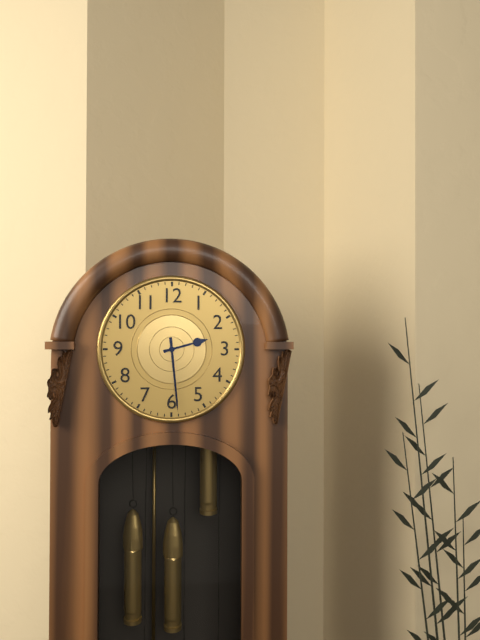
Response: **2:29**
